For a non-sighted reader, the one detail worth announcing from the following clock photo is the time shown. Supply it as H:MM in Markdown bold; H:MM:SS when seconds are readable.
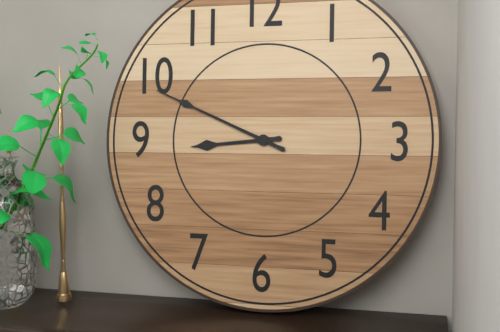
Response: **8:49**
